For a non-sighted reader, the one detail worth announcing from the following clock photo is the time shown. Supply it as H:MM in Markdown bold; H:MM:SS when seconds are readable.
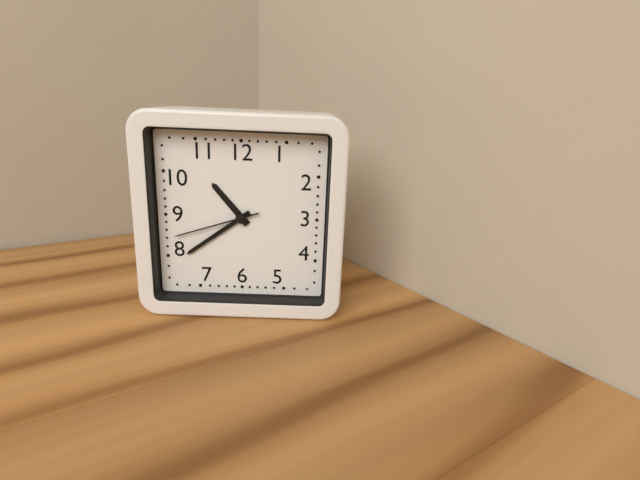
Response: **10:39:42**
